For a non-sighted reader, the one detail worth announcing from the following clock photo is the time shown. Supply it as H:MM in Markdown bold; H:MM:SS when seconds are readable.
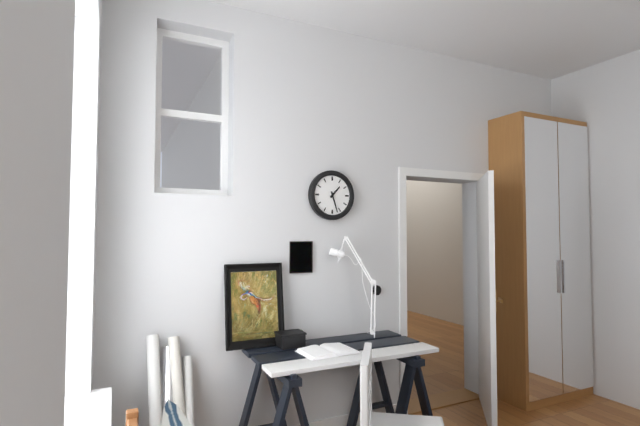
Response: **1:27**
